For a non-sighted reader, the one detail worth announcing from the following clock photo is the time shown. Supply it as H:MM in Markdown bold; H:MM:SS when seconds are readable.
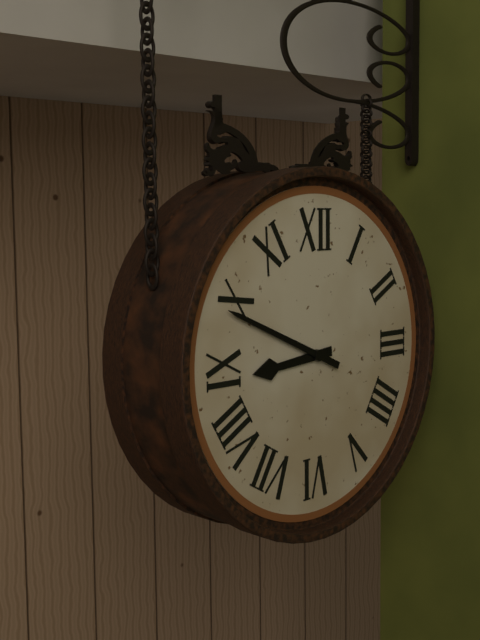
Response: **8:49**
